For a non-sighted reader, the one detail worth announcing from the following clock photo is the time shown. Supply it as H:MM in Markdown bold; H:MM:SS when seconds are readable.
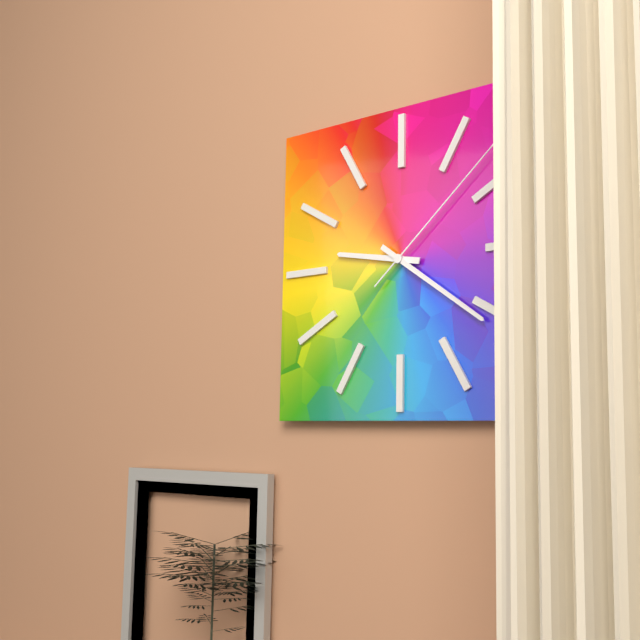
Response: **9:21:08**
